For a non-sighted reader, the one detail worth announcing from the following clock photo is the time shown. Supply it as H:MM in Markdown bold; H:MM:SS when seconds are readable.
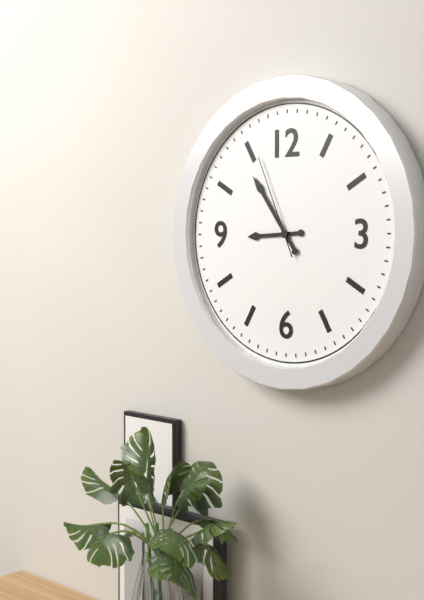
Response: **8:54:56**
